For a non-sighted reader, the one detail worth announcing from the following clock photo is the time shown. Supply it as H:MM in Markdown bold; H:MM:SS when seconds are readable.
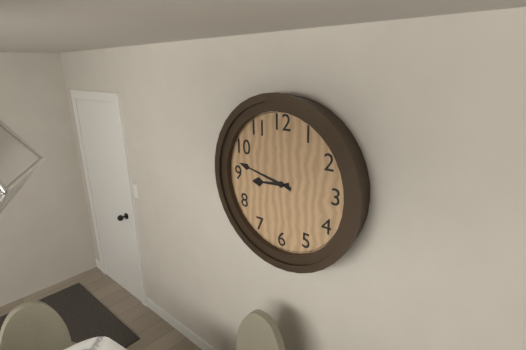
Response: **8:47**
